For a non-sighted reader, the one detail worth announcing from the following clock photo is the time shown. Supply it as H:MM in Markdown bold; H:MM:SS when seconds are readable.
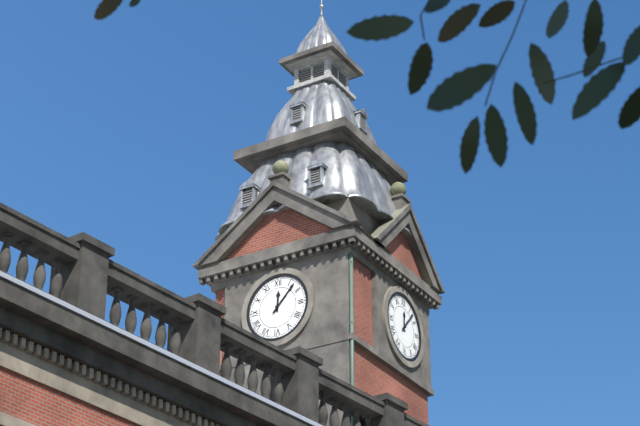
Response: **12:07**
